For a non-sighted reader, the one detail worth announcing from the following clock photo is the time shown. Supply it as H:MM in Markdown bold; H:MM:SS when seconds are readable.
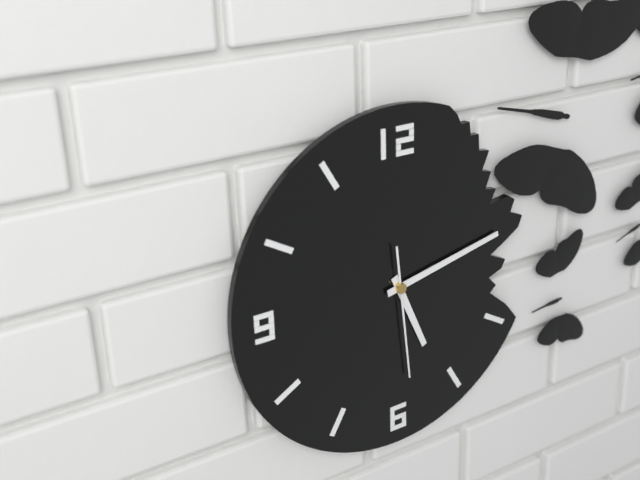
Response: **5:13:29**
